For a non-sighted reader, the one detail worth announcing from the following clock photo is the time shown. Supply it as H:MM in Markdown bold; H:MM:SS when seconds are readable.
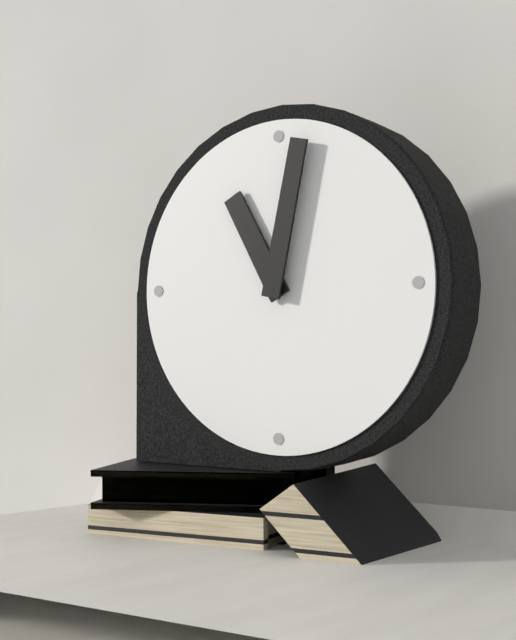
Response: **11:02**
